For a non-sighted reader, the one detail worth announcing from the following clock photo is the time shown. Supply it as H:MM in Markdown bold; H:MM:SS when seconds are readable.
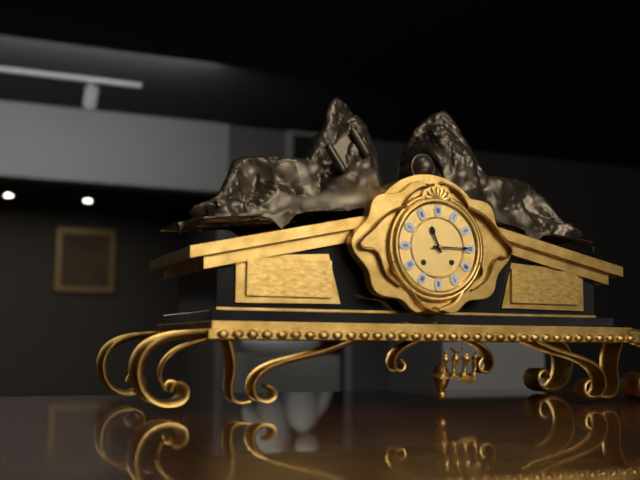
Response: **11:15**
